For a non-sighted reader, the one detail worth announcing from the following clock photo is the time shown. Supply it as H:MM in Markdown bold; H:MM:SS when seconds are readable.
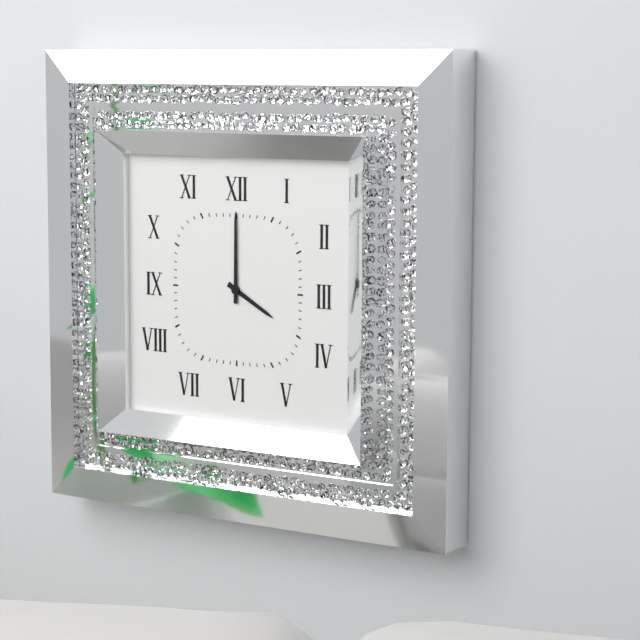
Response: **4:00**
